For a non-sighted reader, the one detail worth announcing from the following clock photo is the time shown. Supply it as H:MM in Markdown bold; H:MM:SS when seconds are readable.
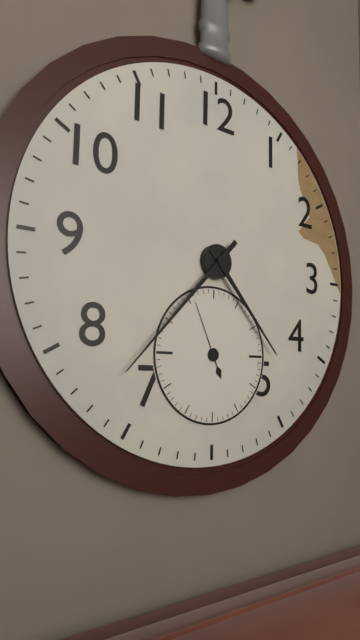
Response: **4:37:56**
